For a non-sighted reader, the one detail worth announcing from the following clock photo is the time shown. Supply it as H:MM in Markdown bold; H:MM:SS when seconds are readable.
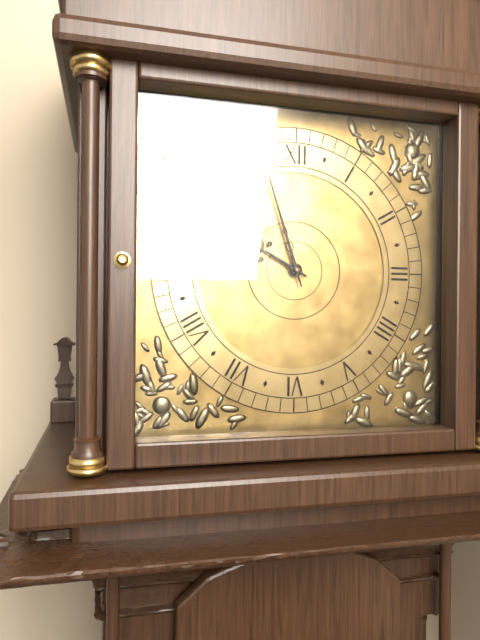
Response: **9:57**
